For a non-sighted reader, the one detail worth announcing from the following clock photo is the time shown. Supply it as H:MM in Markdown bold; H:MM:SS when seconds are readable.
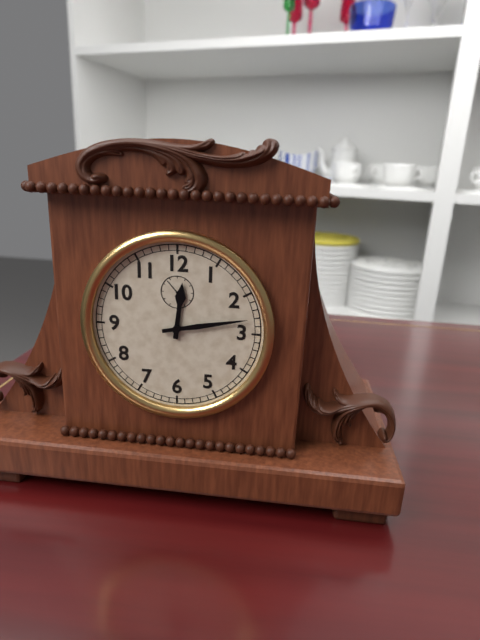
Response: **12:13**
